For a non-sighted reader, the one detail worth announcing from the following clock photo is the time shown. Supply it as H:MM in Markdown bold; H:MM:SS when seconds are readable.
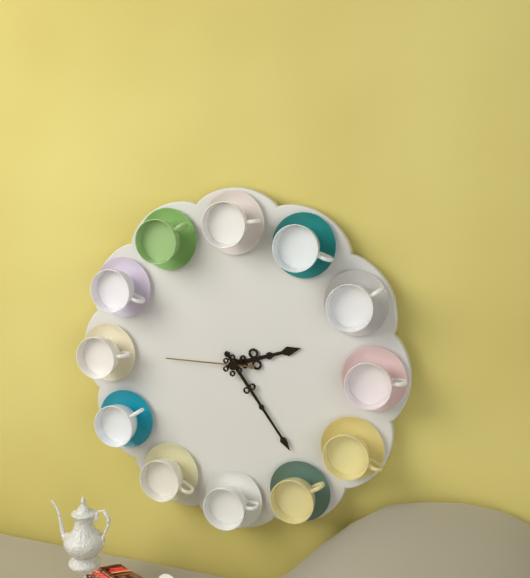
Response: **2:24:45**
